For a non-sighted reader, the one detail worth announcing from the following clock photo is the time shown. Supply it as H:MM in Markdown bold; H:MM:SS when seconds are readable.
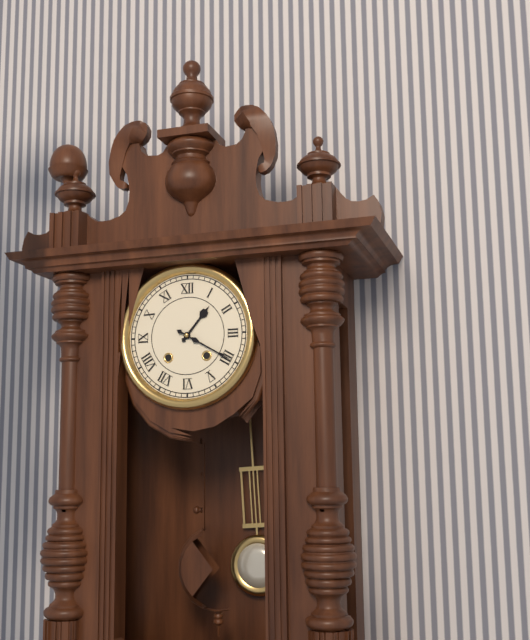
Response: **1:20**
